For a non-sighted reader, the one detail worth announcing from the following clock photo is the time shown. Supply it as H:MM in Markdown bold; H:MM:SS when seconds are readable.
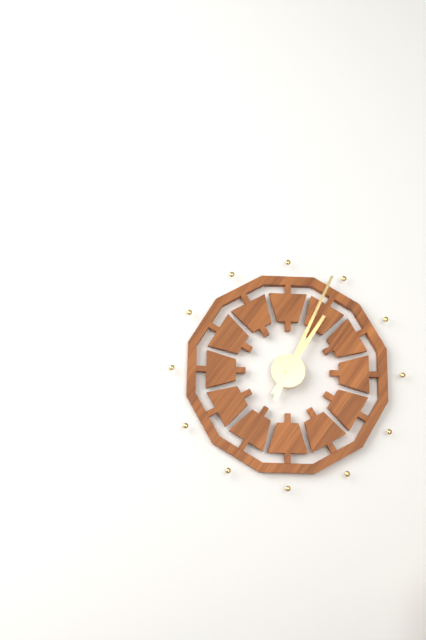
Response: **1:04**
